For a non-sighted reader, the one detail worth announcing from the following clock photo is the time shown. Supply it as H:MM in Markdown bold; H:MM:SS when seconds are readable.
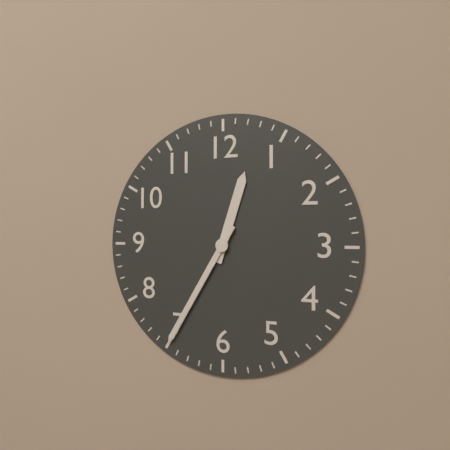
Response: **12:35**
